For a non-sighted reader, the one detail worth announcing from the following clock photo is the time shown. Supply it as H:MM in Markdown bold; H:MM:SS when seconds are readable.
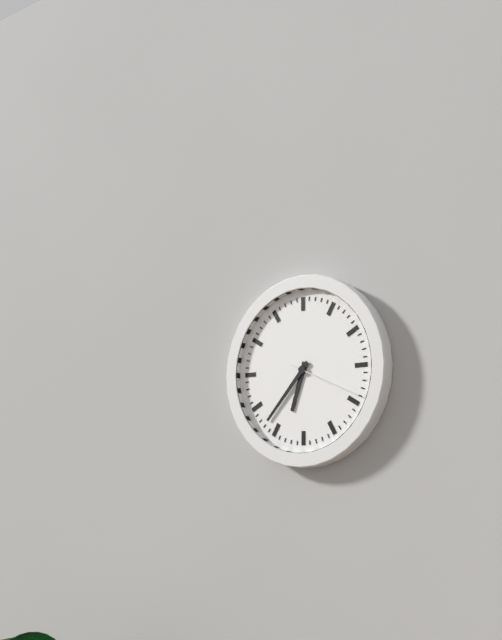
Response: **6:37:19**
